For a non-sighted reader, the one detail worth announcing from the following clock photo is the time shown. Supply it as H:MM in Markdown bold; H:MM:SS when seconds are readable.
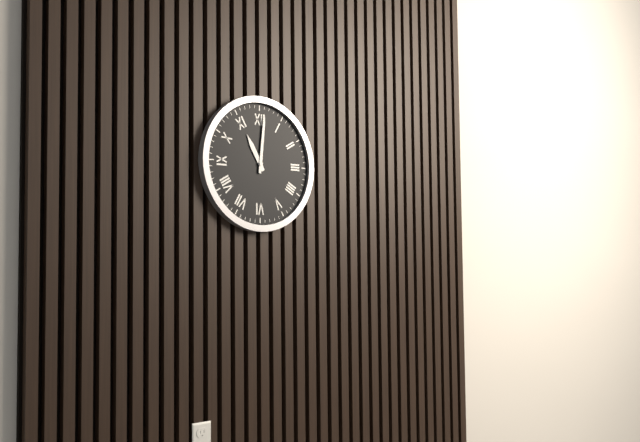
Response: **11:01**
